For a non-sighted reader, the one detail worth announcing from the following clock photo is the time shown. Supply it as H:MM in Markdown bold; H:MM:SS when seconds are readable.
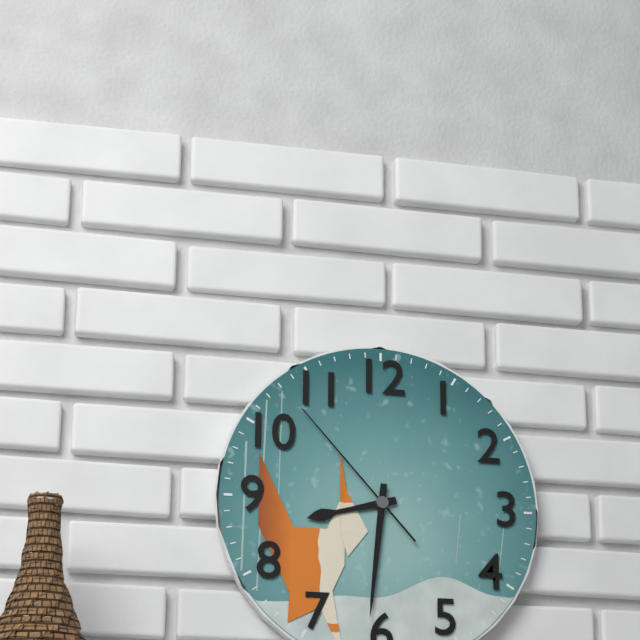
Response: **8:31:53**
